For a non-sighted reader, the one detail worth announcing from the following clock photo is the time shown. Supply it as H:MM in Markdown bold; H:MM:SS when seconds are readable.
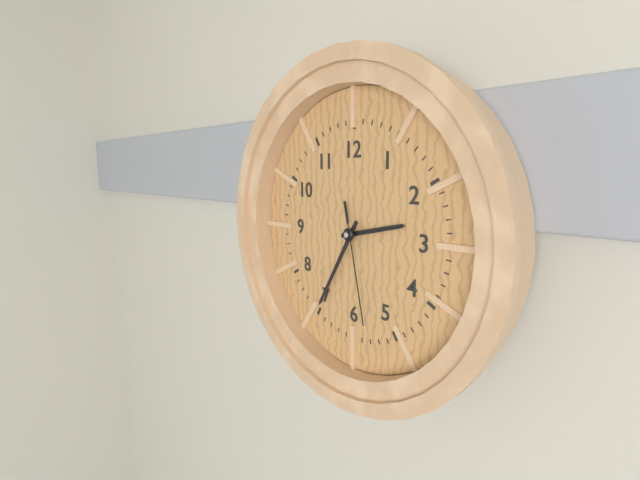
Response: **2:35:28**
